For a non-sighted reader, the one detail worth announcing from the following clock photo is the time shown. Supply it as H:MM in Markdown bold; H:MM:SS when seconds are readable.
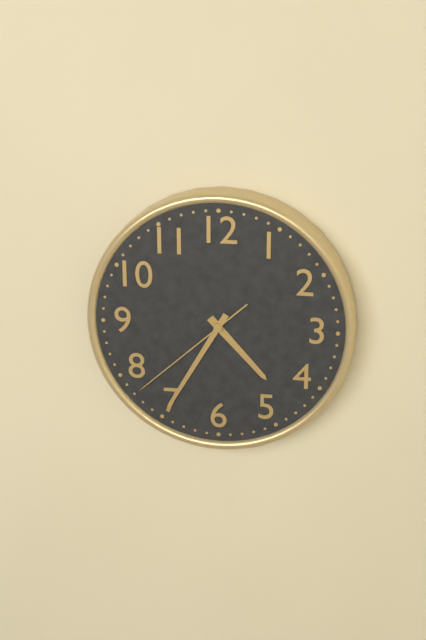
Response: **4:35:38**
